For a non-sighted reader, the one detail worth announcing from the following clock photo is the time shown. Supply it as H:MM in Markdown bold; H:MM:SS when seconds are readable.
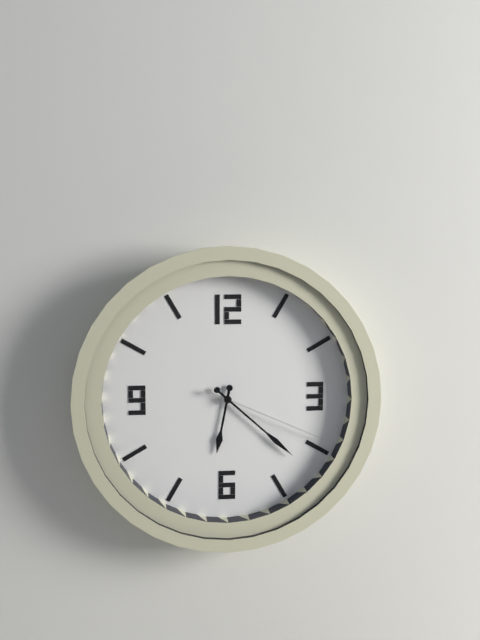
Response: **6:22:19**
